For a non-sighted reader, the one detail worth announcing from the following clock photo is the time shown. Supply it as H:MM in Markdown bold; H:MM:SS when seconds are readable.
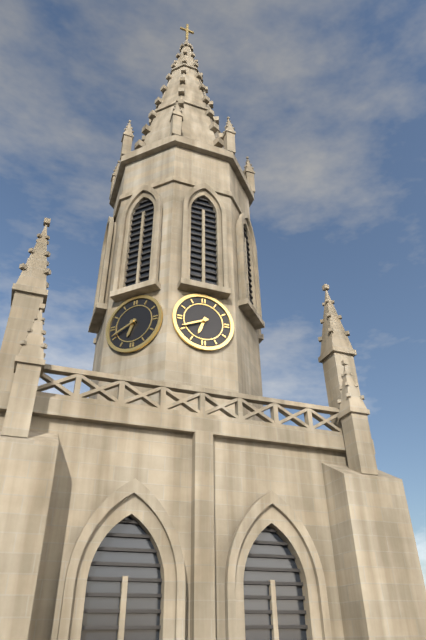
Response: **6:41**
